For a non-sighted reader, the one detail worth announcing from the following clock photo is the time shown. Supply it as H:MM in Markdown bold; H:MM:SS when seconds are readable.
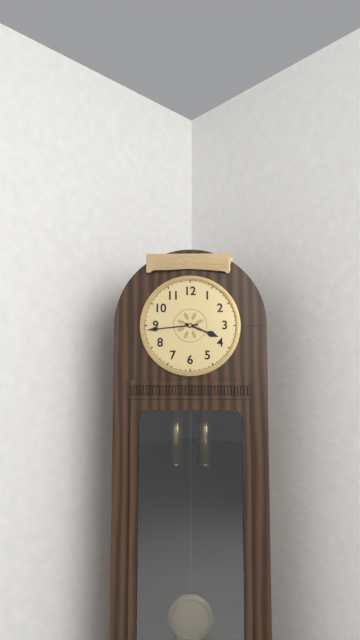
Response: **3:44**
